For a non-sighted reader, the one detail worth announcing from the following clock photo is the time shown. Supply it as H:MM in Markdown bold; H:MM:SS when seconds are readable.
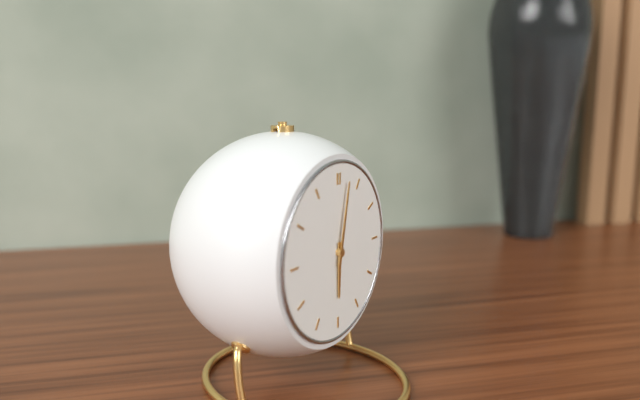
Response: **6:02**
